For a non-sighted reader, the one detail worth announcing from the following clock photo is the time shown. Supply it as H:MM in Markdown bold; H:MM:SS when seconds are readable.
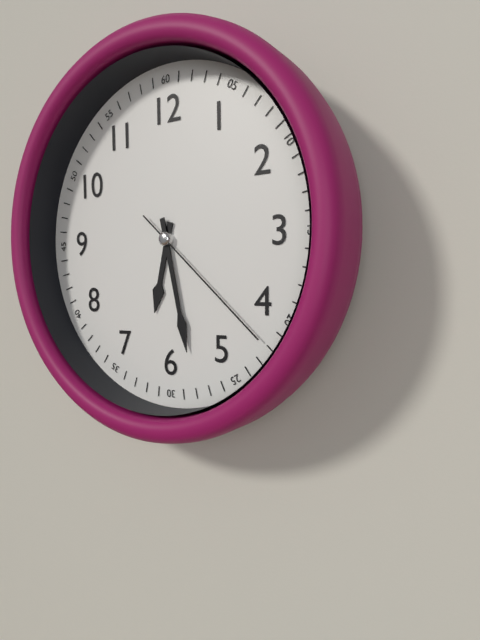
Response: **6:28:22**
